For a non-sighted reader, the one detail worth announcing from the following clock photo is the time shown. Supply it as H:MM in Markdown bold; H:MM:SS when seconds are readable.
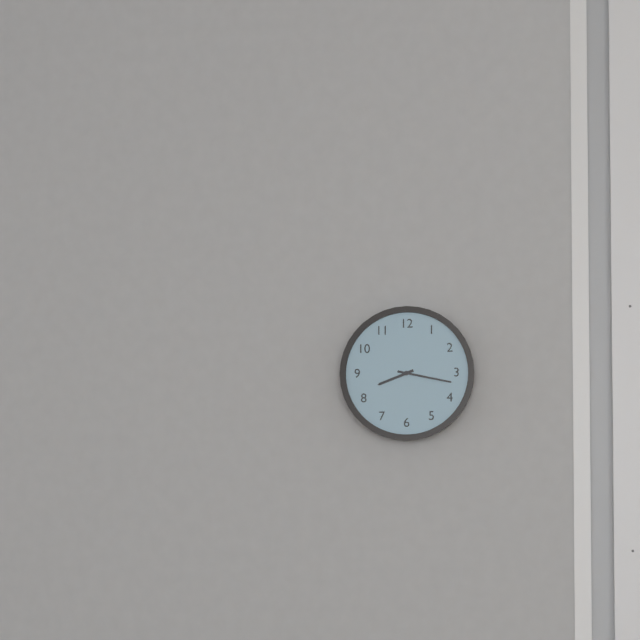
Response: **8:17**
